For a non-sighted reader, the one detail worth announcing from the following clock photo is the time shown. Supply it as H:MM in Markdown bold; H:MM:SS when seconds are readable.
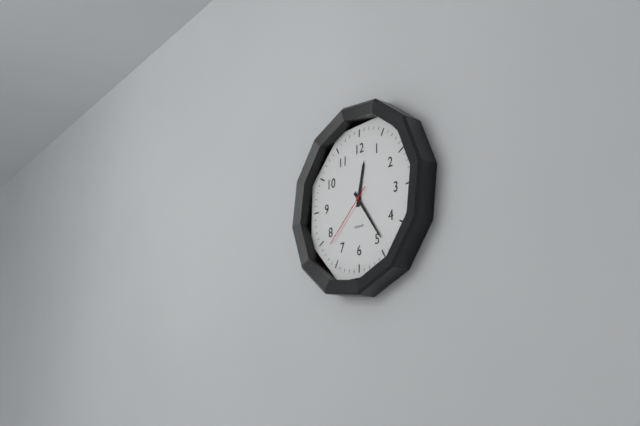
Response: **12:24:38**
